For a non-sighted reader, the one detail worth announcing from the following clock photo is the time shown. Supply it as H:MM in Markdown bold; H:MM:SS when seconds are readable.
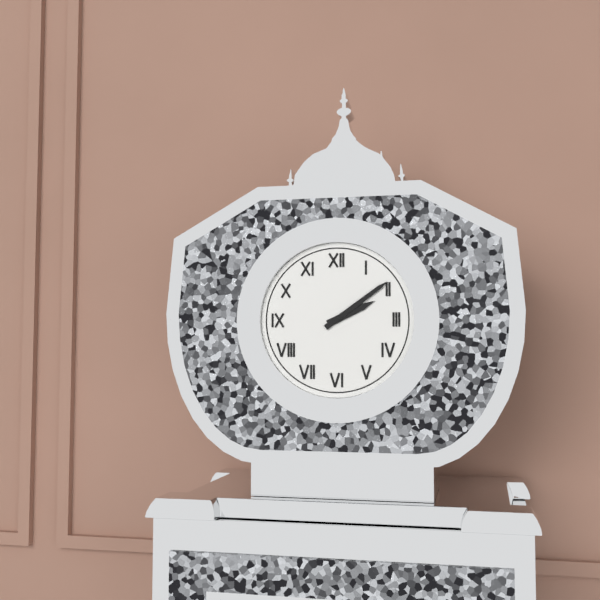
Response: **2:09**
